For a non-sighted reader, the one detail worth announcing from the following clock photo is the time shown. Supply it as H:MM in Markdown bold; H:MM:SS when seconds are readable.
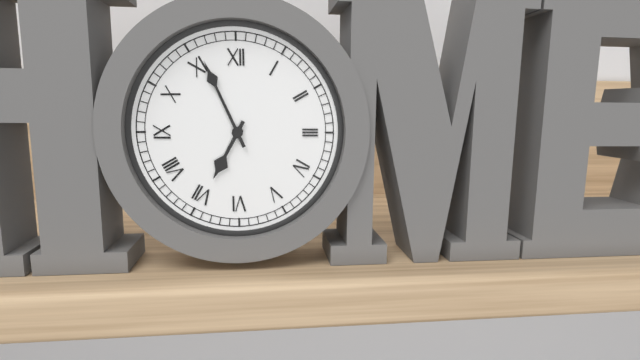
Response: **6:56**
